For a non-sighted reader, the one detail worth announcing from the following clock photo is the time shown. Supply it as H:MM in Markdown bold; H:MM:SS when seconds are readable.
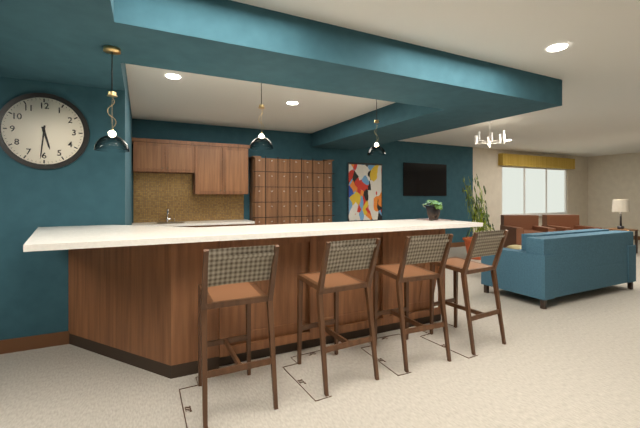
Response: **5:31**
